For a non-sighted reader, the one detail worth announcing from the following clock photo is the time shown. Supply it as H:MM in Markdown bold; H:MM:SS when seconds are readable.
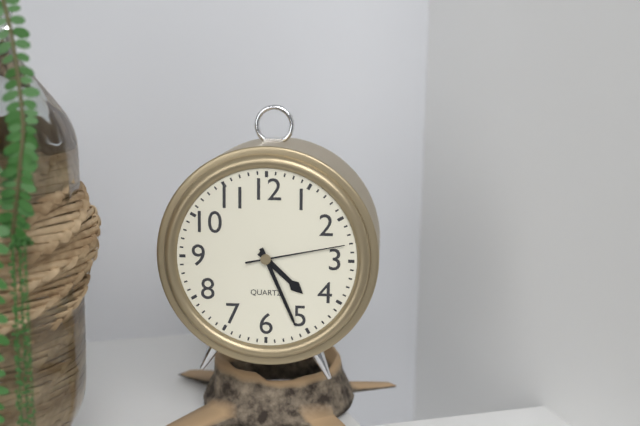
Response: **4:26:13**
